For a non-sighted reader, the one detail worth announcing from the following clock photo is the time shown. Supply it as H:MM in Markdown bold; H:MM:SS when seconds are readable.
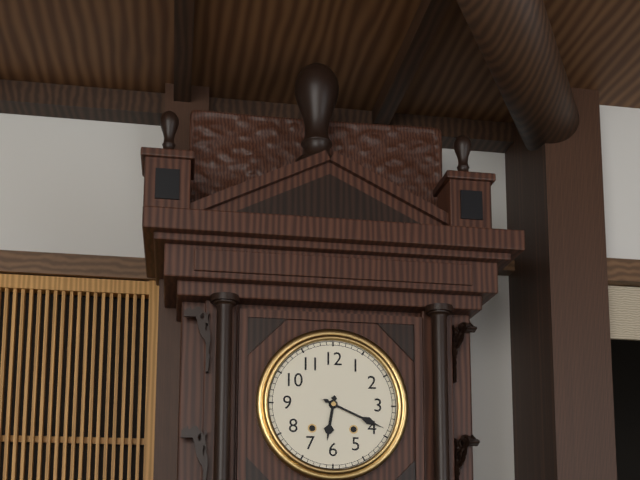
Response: **6:19**
